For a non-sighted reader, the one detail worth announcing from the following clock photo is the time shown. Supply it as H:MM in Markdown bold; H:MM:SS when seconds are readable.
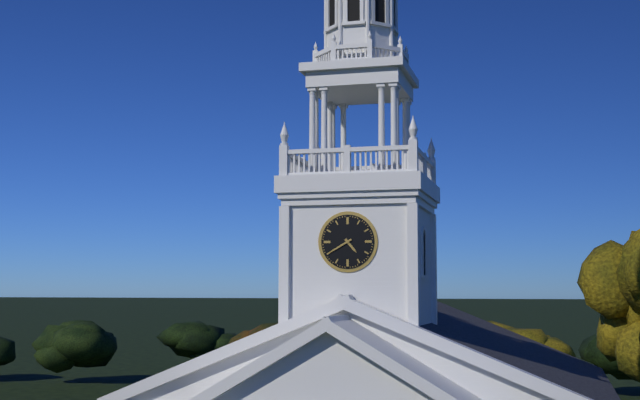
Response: **4:40**
